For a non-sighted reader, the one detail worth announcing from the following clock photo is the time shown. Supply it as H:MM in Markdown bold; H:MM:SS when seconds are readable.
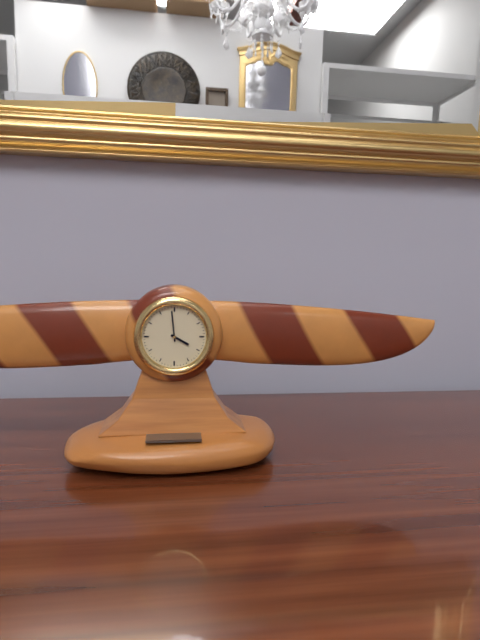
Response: **3:59**
